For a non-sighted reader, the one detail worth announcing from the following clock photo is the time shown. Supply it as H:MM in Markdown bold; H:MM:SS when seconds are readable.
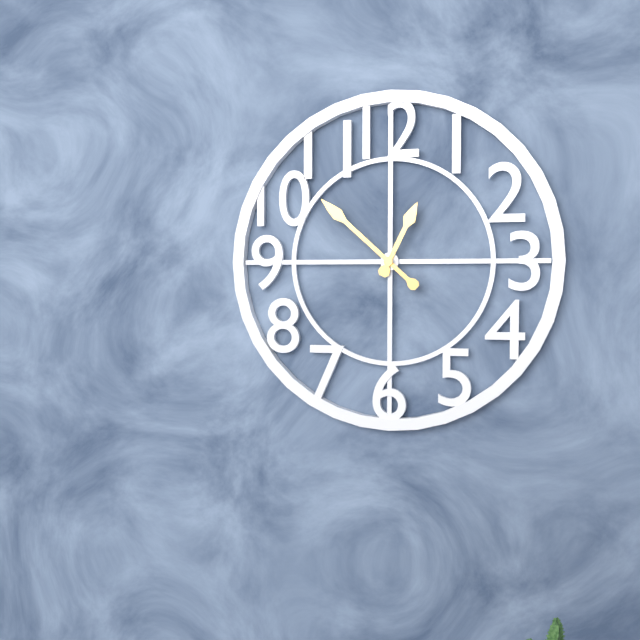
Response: **12:52**
